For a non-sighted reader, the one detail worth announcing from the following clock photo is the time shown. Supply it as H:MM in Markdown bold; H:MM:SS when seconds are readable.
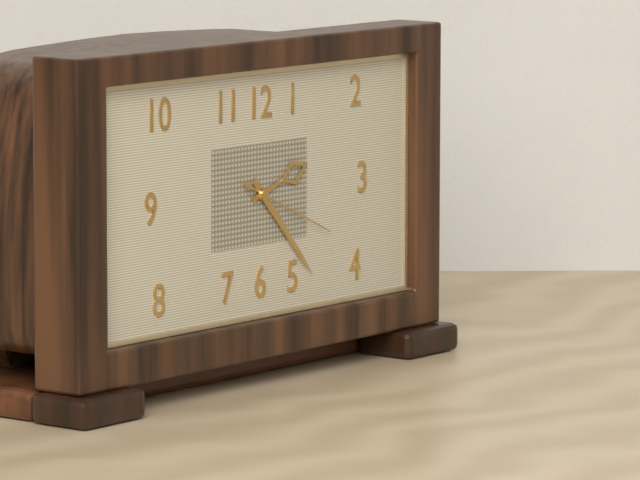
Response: **2:23:19**
